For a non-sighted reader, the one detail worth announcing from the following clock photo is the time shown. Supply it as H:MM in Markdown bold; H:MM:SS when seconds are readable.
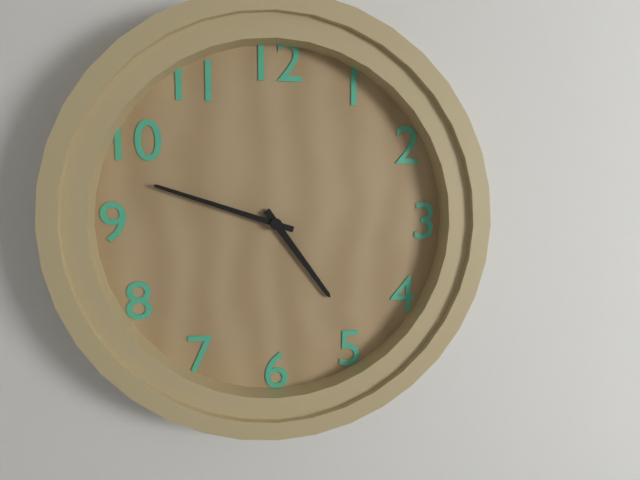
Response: **4:48**
